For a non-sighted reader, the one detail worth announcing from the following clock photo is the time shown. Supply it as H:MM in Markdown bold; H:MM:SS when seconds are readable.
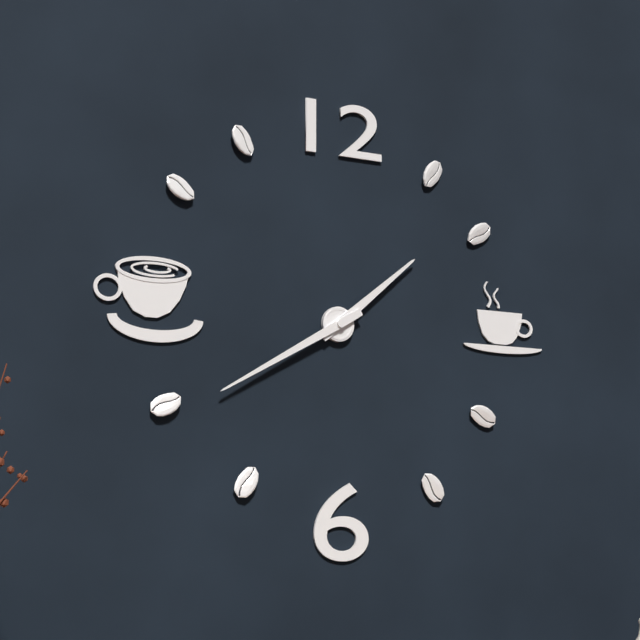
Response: **1:40**
